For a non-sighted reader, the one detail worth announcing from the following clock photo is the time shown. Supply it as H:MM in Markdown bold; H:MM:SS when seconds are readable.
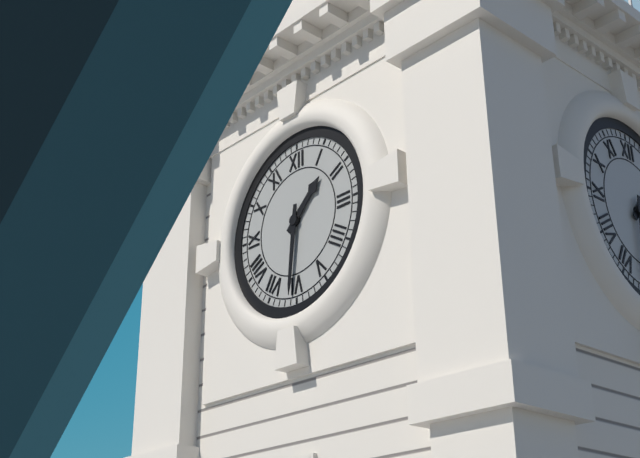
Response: **1:31**
